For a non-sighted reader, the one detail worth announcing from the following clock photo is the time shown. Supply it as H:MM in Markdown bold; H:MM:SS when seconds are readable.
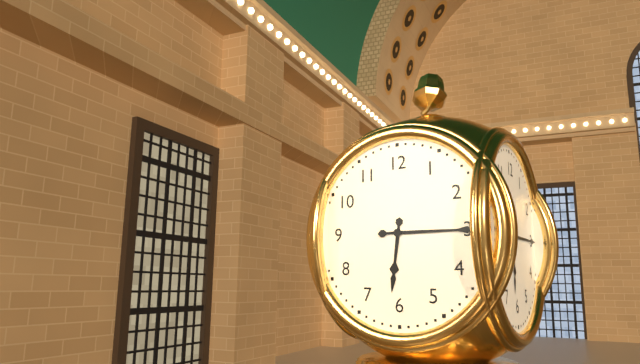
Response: **6:15**
